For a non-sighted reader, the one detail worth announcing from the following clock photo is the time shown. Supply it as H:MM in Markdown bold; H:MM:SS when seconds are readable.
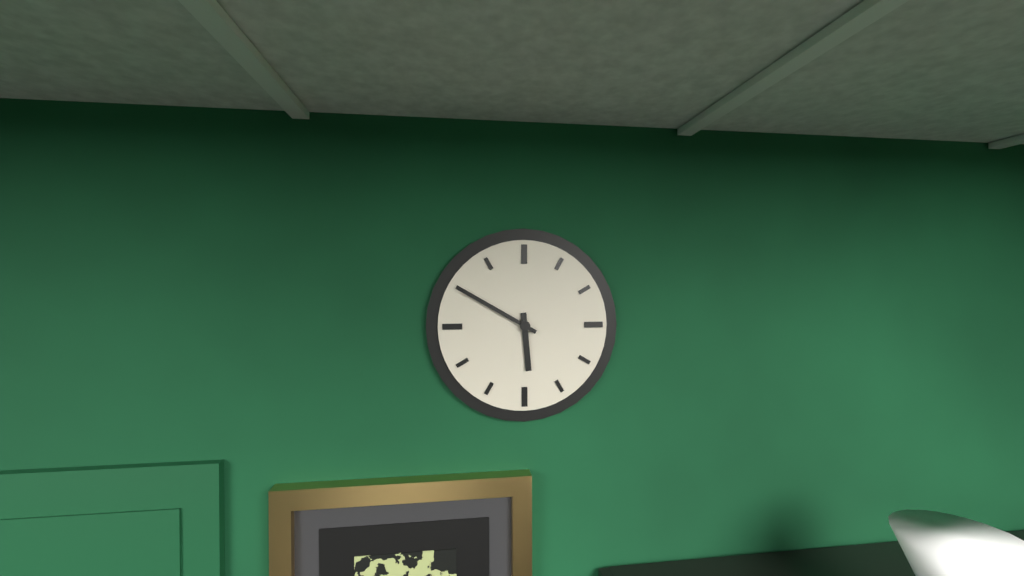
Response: **5:50**
